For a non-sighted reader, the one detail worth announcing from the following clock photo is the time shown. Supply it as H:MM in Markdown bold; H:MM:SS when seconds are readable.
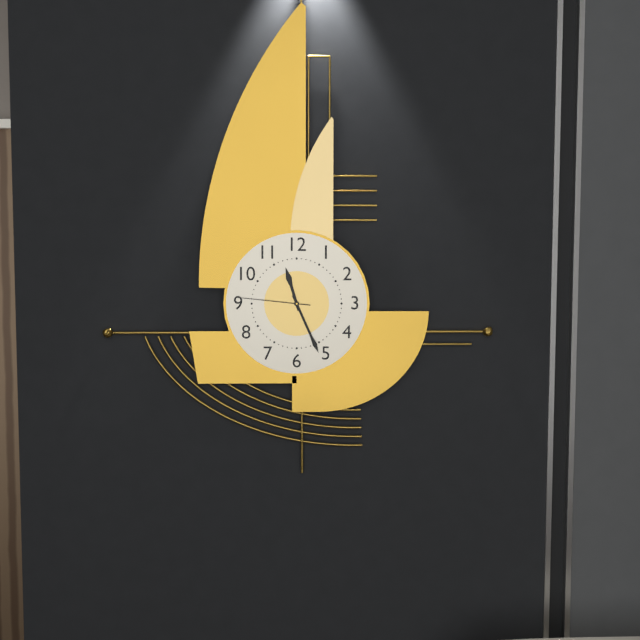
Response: **11:26:46**
